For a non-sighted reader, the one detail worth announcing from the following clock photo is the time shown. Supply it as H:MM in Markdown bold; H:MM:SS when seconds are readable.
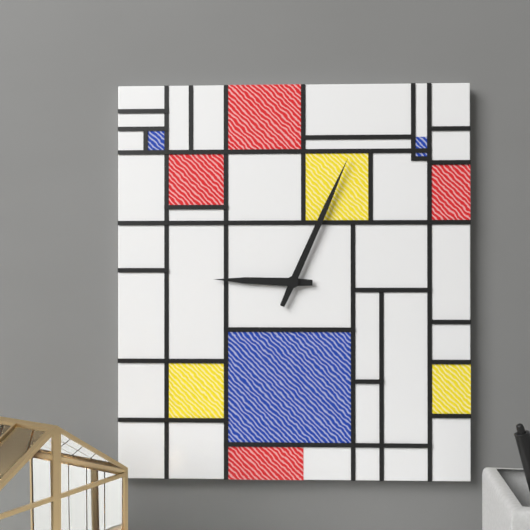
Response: **9:04**
